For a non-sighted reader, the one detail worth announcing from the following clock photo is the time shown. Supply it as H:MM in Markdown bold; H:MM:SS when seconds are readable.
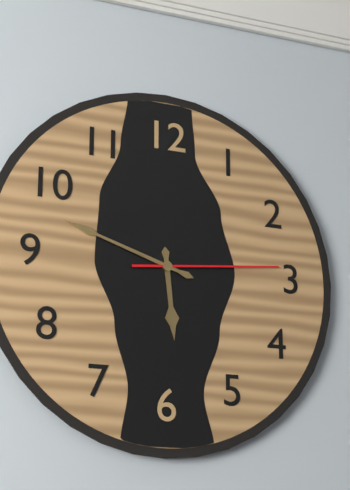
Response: **5:48:14**
